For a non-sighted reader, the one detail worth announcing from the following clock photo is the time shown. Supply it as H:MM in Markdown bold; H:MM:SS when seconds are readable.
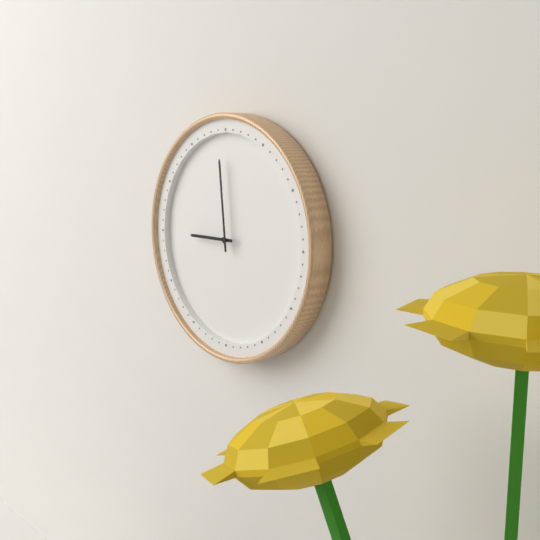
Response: **8:59**
